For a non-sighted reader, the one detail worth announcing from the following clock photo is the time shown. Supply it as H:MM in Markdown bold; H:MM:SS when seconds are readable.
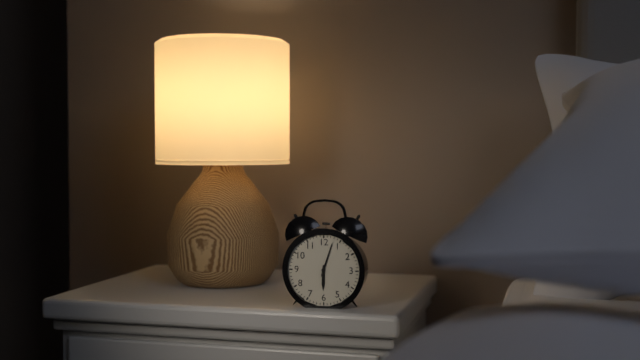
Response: **6:03**
